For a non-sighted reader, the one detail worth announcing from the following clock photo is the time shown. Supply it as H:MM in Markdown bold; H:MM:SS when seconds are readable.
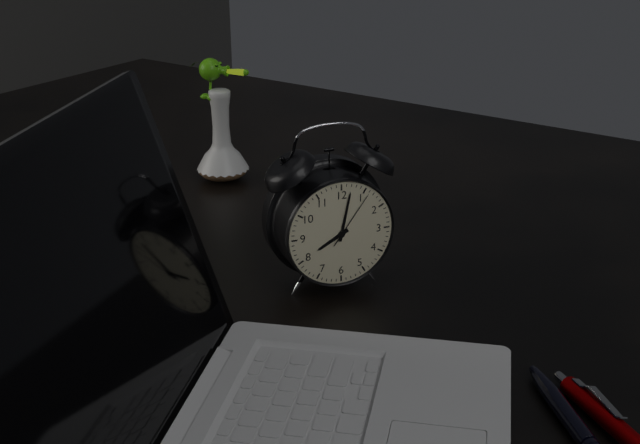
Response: **8:02:06**
